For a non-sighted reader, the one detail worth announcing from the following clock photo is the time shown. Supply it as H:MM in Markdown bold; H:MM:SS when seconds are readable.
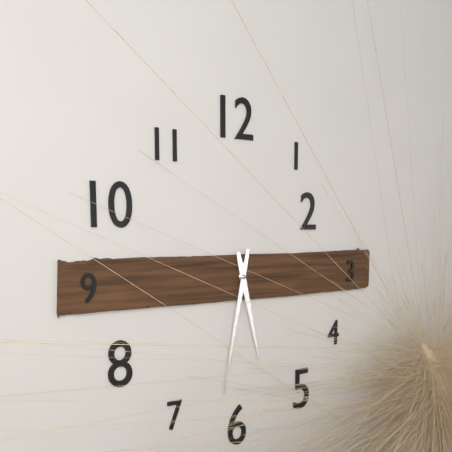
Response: **5:32**
